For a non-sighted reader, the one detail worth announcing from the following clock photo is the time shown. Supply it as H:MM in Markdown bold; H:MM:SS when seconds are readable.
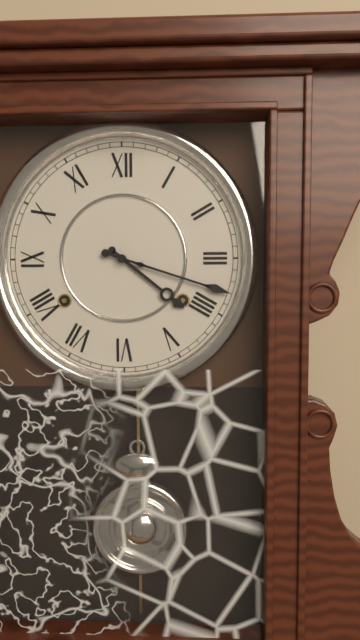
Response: **4:18**
